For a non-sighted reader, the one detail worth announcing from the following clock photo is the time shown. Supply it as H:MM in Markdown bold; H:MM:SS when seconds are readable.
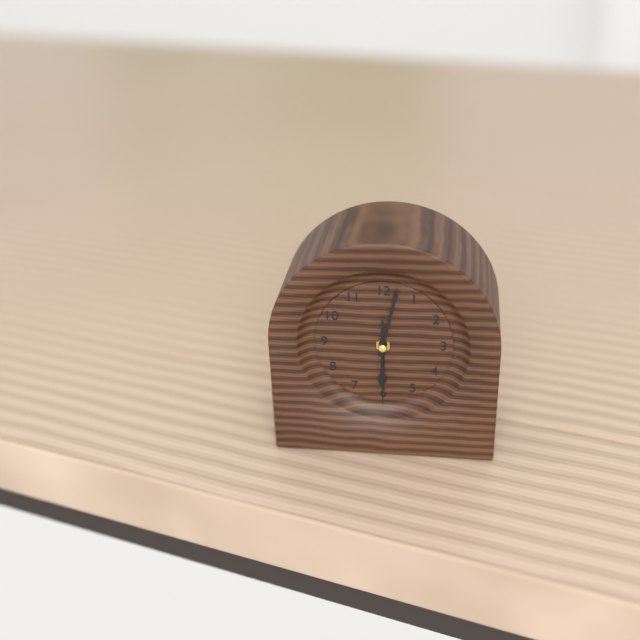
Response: **6:02:30**
